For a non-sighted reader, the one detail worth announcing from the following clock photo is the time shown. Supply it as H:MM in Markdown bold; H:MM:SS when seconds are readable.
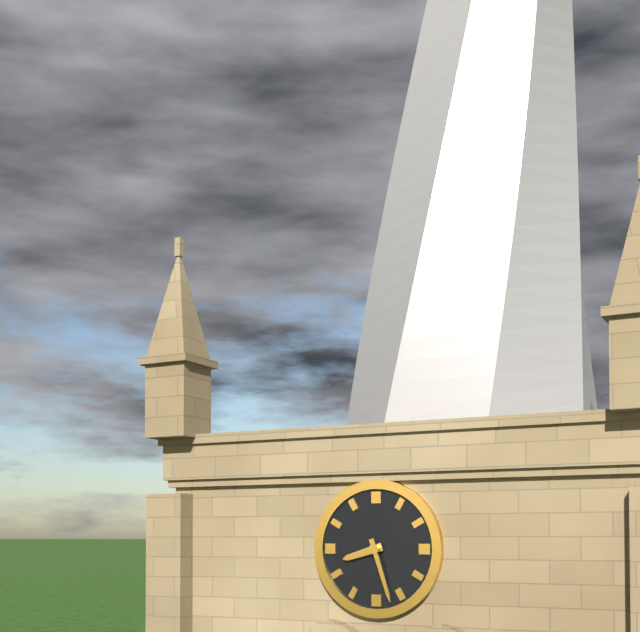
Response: **8:27**
